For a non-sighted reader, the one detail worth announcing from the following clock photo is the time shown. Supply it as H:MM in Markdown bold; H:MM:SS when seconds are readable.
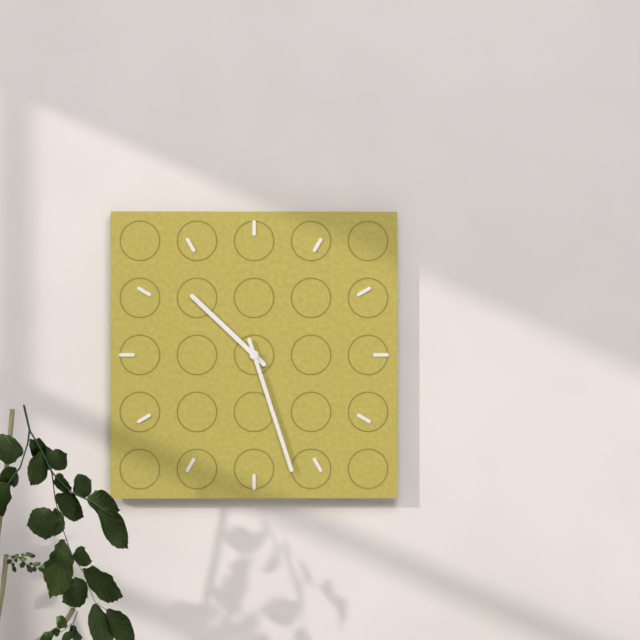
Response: **10:27**
